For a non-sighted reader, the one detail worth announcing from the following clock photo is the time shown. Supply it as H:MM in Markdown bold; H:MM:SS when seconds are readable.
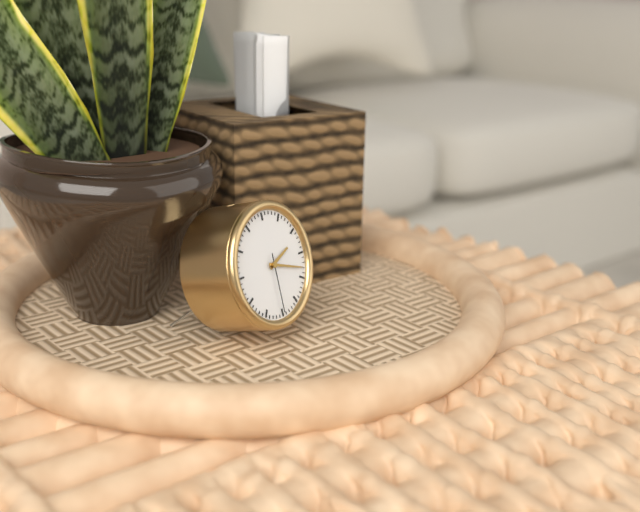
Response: **2:18:30**
